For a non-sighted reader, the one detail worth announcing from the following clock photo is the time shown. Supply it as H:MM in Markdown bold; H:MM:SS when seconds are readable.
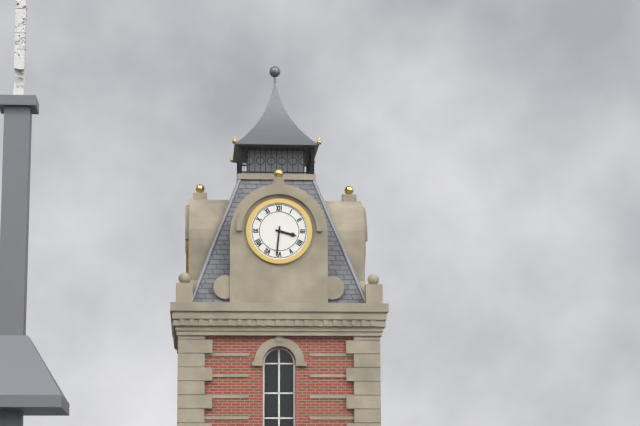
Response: **3:31**
